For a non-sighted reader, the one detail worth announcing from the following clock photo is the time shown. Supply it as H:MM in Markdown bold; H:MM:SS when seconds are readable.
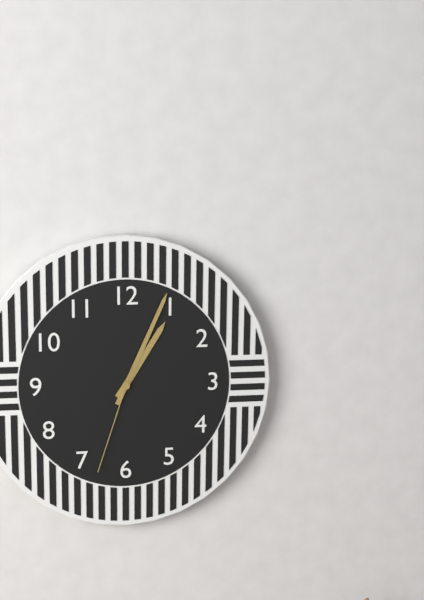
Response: **1:04:33**
